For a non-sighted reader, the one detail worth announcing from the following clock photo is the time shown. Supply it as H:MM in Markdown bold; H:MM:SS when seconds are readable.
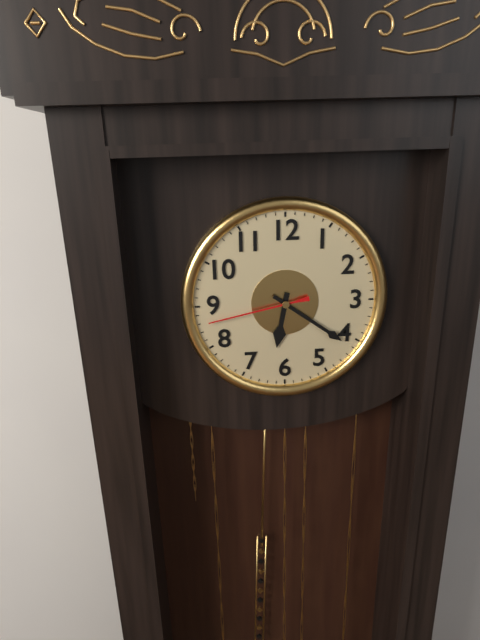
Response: **6:21:43**
